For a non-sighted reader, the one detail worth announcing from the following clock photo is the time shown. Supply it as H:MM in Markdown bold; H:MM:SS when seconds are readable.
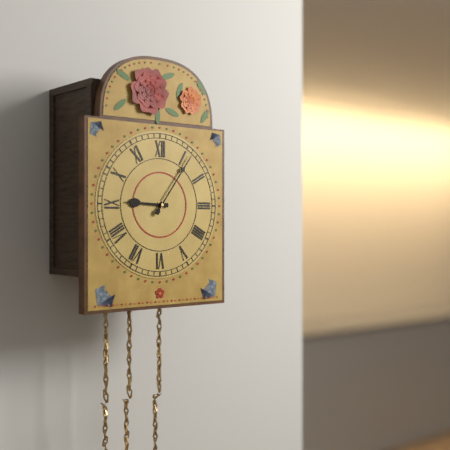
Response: **9:06**
